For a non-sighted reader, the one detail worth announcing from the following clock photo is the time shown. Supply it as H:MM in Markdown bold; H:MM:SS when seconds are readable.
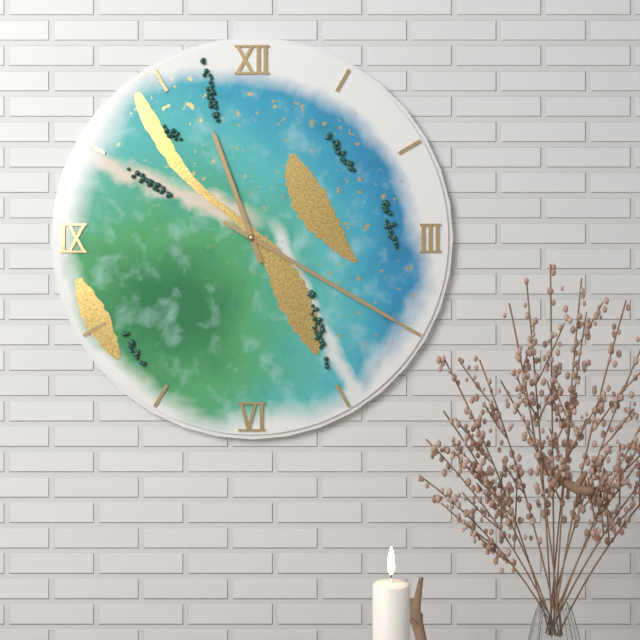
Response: **11:20**
